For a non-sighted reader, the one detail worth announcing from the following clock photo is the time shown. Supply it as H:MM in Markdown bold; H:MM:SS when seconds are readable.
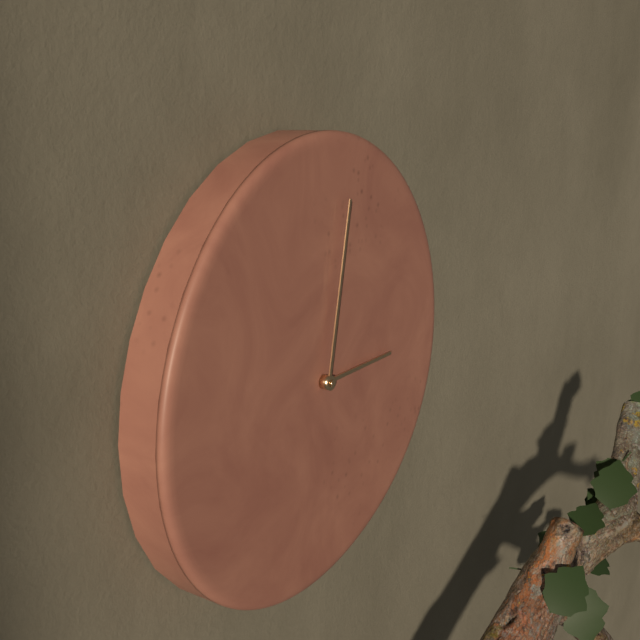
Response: **3:02**
